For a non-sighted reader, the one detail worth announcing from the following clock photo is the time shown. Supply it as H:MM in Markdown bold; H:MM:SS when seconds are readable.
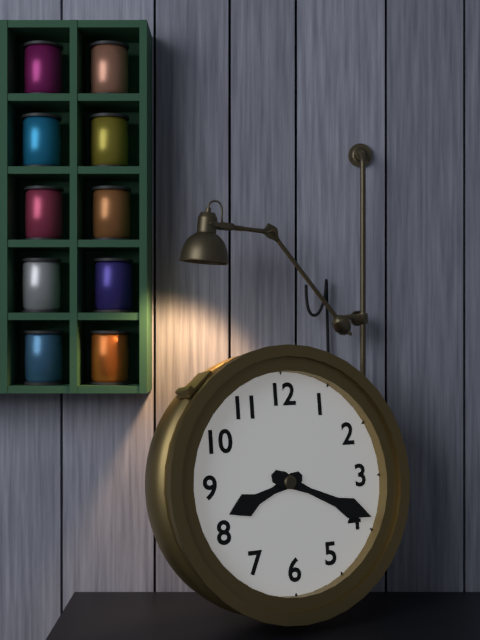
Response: **8:19**
